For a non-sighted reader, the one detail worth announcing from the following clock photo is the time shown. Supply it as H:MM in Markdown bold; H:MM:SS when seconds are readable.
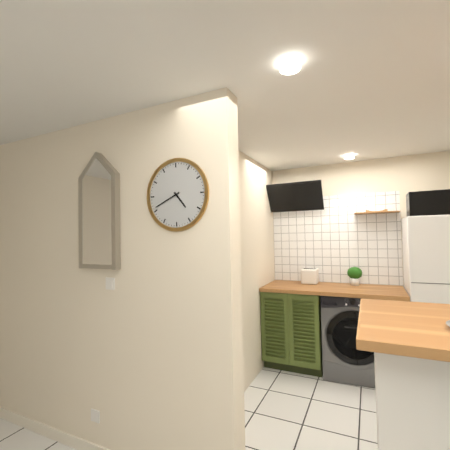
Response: **4:41**
